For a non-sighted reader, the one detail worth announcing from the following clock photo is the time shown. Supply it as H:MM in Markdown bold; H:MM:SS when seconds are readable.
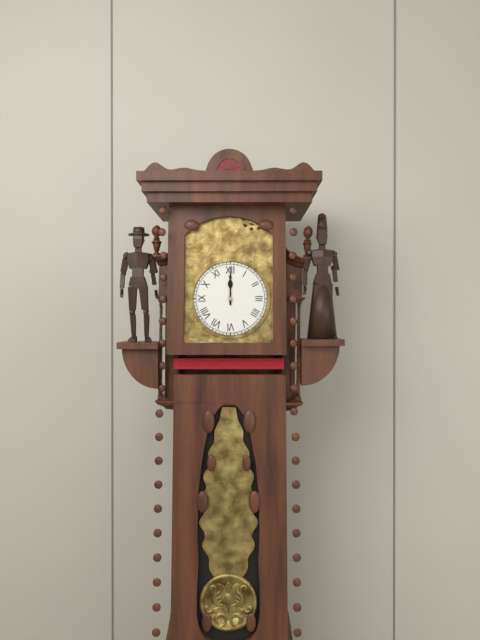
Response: **12:00**
